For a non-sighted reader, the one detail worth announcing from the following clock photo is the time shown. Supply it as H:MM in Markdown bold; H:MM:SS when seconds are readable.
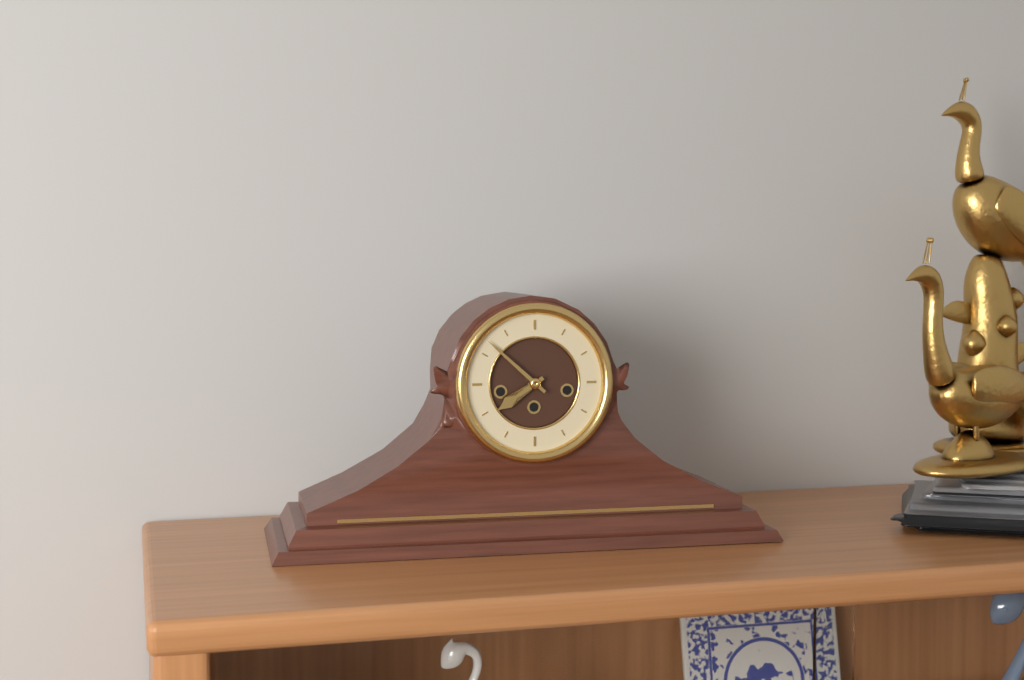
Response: **7:52**
